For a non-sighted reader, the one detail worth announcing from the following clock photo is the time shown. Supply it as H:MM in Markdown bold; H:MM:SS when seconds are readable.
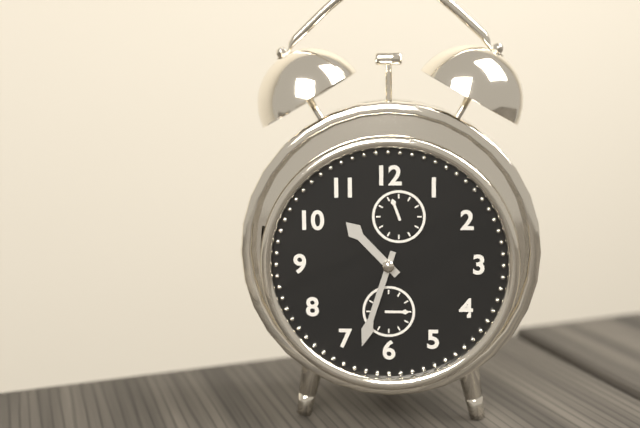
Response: **10:33**
